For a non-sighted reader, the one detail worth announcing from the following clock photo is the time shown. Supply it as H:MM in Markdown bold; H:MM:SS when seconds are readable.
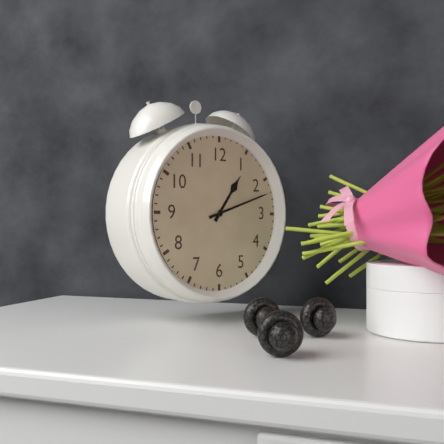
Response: **1:12**
